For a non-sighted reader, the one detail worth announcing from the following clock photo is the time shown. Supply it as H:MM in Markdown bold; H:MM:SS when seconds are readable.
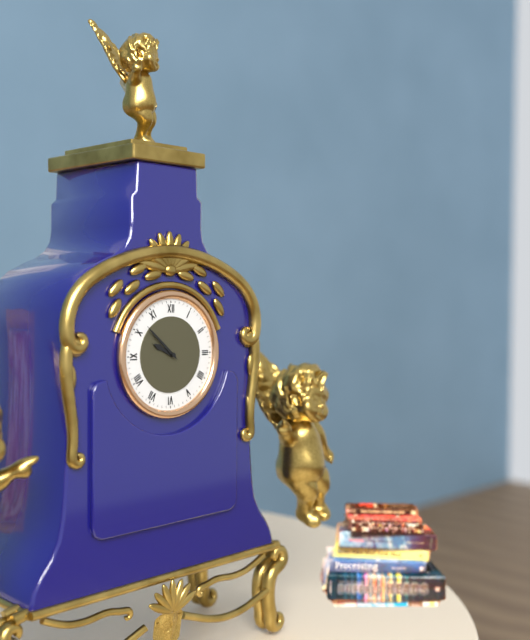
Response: **9:52**
